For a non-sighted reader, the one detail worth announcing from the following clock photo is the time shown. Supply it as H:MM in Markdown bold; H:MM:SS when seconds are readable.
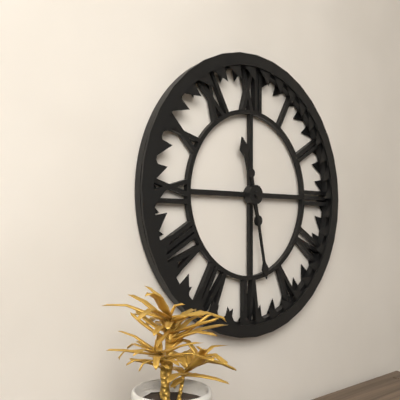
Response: **11:28**
